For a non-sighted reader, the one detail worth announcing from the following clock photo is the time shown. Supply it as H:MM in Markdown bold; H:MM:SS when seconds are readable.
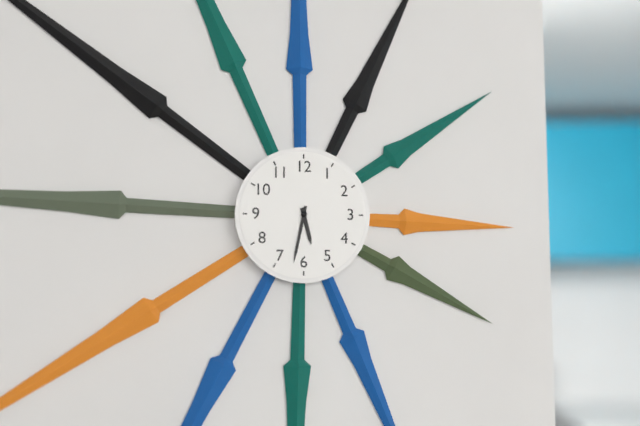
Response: **5:32**
